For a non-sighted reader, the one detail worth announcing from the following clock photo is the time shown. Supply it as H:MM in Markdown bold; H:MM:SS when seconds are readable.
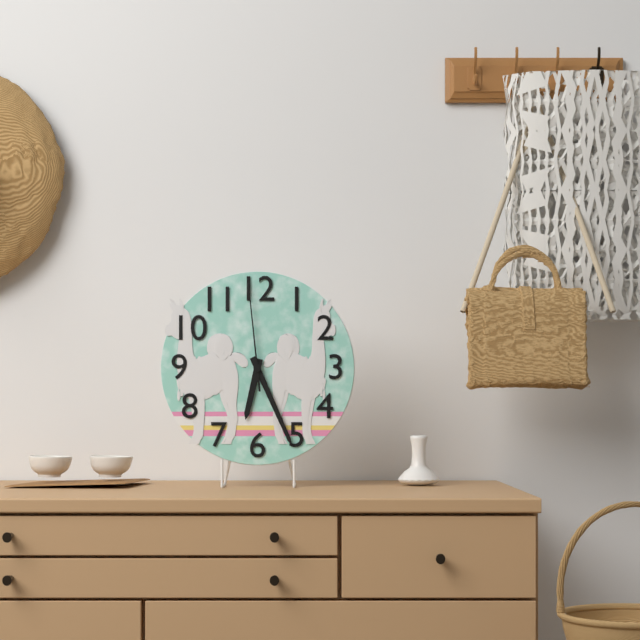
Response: **6:26:59**
